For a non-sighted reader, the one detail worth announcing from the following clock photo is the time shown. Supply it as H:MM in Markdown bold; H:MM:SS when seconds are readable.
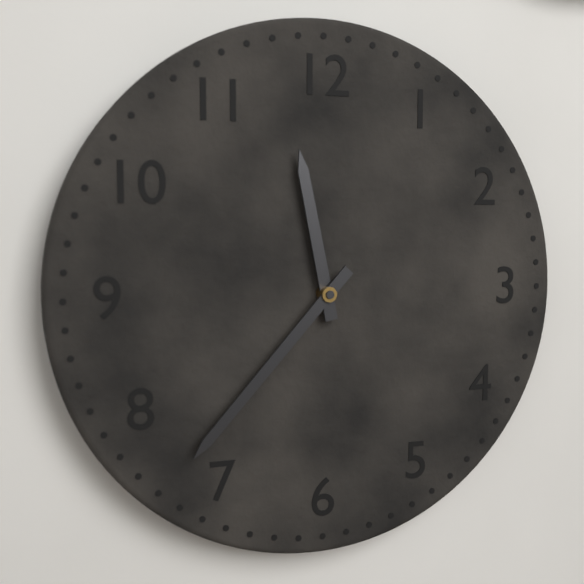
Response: **11:37**
